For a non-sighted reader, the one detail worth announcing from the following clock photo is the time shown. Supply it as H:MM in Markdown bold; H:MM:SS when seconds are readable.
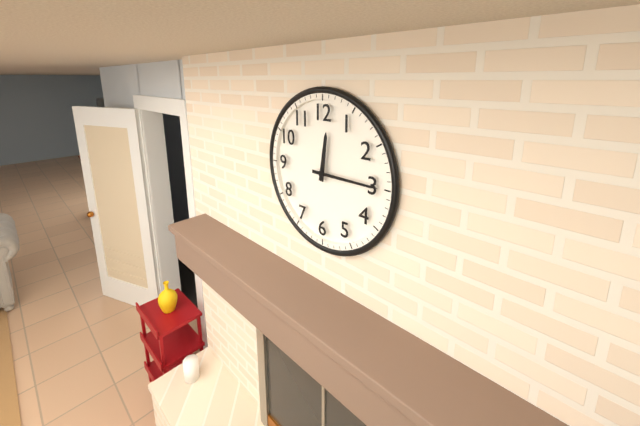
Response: **12:15**
